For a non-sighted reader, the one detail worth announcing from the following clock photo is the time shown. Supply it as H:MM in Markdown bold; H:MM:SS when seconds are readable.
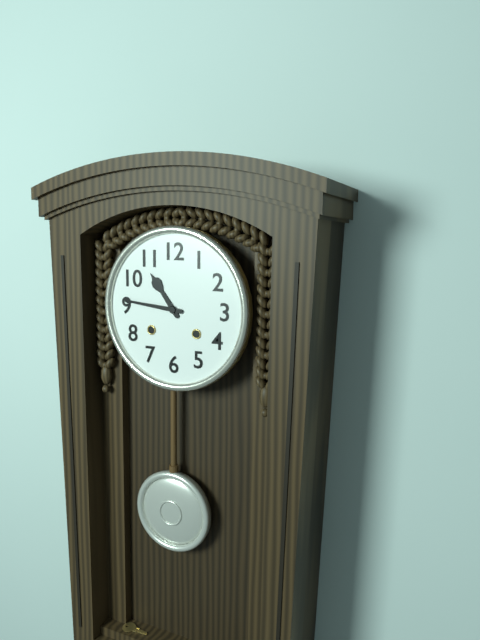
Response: **10:46**
